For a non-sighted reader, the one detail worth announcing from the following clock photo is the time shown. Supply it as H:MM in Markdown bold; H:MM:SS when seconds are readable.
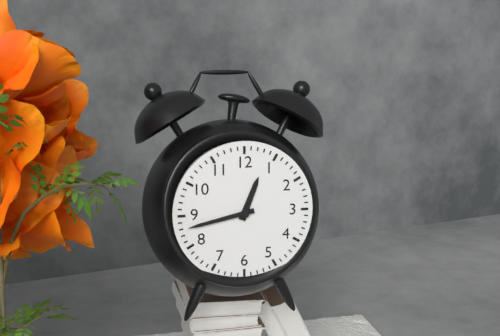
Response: **12:43**
